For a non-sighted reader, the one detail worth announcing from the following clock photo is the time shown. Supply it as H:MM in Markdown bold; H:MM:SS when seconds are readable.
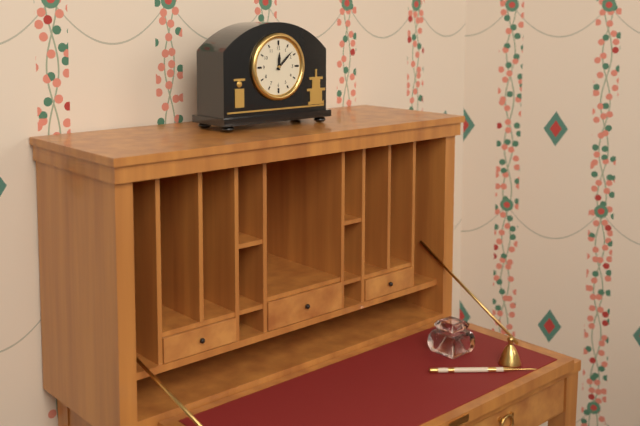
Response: **12:08**
